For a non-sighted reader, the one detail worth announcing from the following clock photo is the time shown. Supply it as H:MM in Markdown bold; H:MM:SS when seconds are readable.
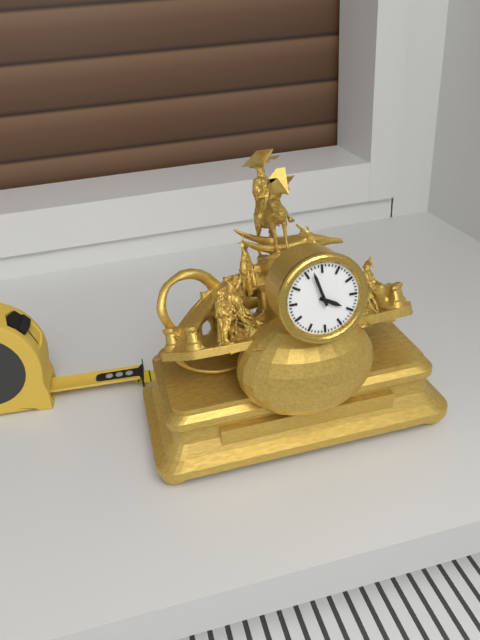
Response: **3:57**
